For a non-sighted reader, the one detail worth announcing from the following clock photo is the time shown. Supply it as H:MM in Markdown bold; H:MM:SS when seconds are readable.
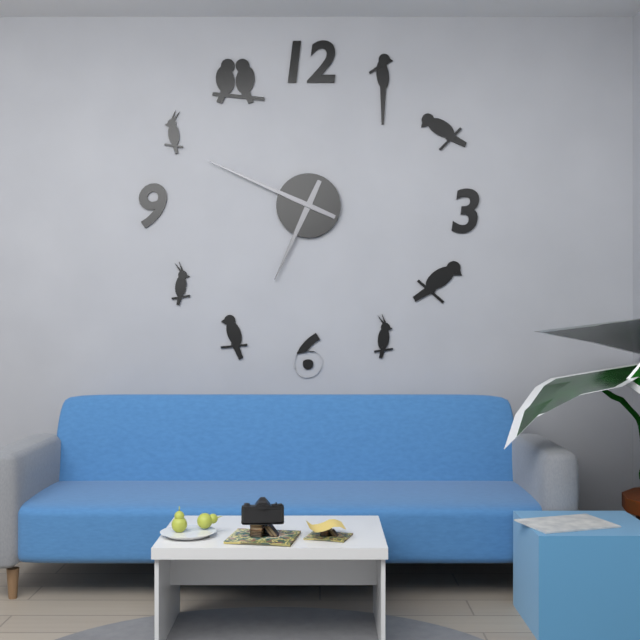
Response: **6:49**
